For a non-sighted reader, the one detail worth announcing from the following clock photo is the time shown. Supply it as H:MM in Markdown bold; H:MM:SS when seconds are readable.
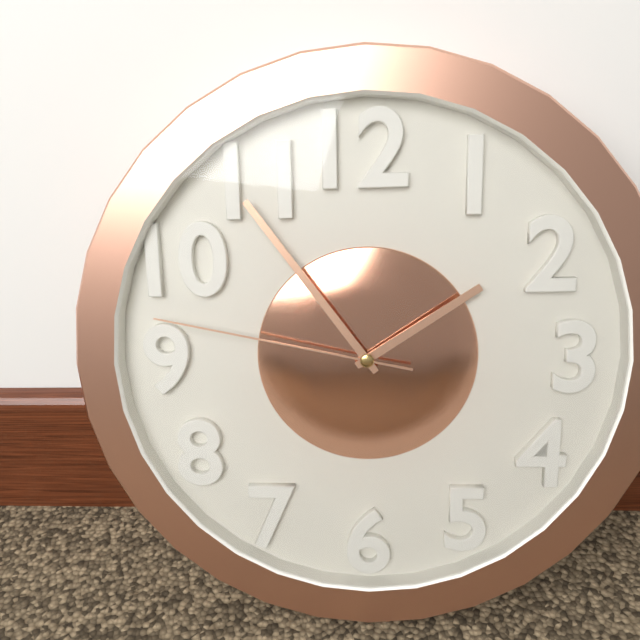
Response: **1:54:47**
